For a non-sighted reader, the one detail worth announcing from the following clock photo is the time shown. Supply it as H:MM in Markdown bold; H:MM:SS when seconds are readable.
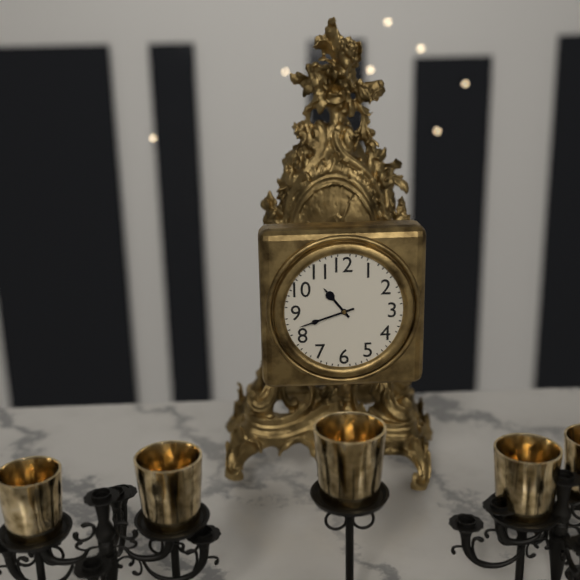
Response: **10:42**
